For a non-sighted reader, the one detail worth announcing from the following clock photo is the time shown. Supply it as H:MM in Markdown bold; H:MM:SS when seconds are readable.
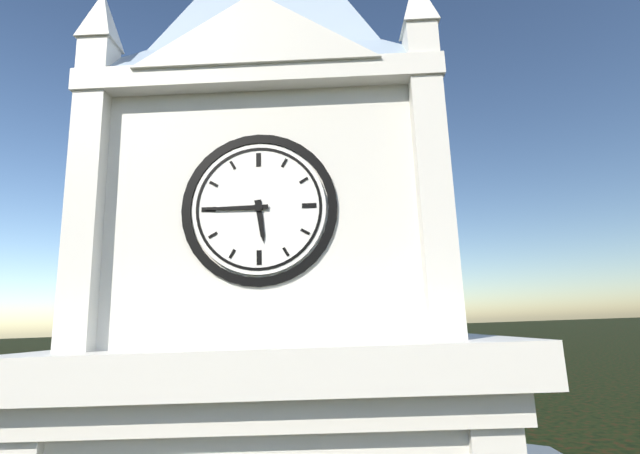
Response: **5:45**
